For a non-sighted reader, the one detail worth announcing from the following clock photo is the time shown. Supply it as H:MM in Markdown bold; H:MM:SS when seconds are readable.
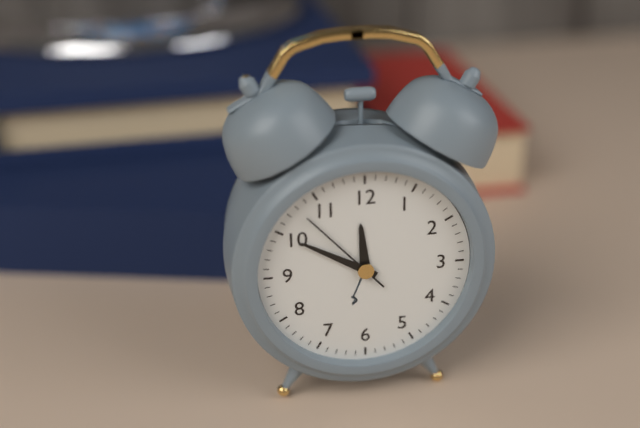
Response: **11:50:53**
